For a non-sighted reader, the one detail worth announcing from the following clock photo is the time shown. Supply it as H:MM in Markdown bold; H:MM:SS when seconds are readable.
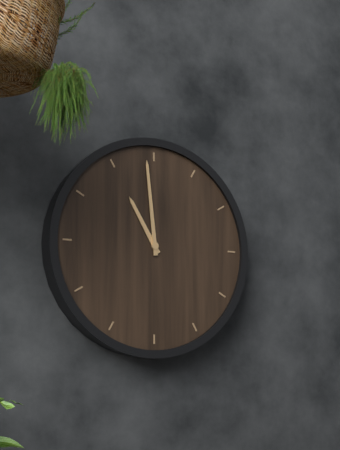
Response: **10:59**
